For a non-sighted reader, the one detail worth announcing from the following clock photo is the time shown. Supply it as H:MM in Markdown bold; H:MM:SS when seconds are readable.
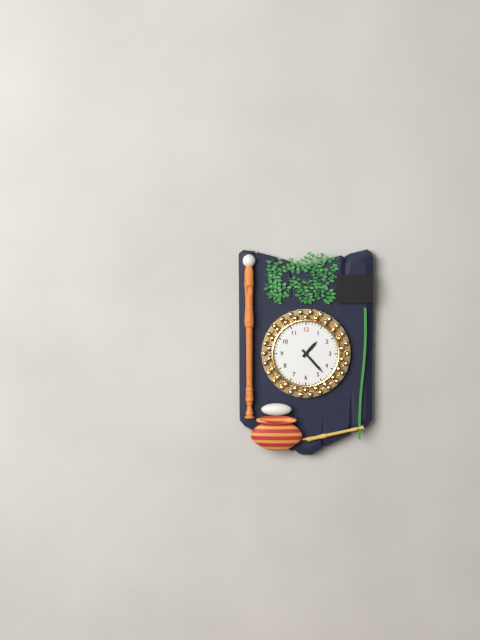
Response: **1:23**
